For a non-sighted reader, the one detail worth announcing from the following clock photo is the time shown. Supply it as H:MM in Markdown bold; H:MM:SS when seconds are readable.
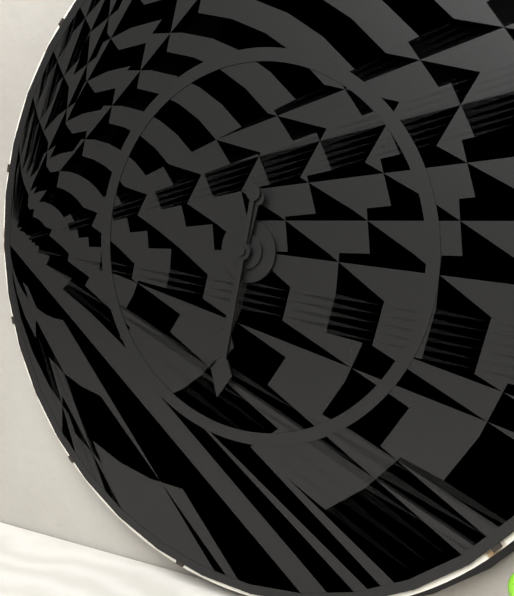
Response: **6:32**
